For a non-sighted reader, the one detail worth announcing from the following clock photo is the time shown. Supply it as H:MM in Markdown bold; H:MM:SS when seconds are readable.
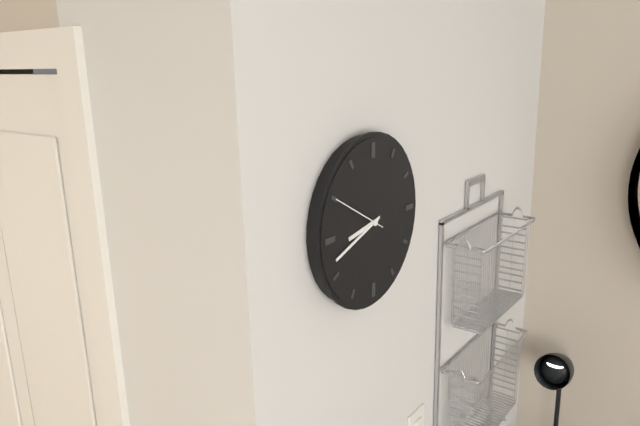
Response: **8:42:50**
